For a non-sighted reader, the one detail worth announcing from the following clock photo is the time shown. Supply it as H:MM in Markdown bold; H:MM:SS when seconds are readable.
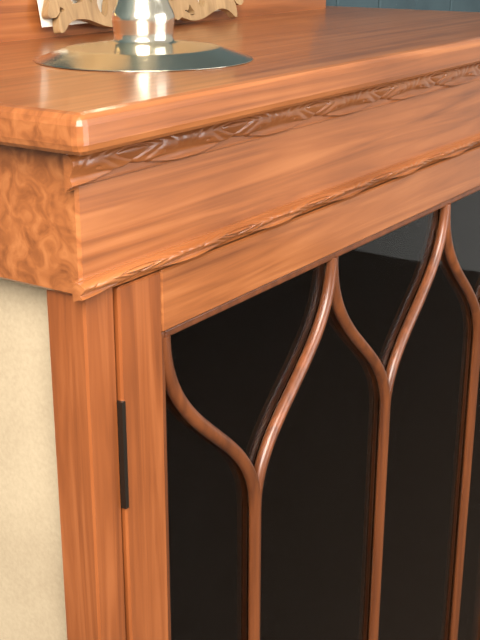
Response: **2:58**
